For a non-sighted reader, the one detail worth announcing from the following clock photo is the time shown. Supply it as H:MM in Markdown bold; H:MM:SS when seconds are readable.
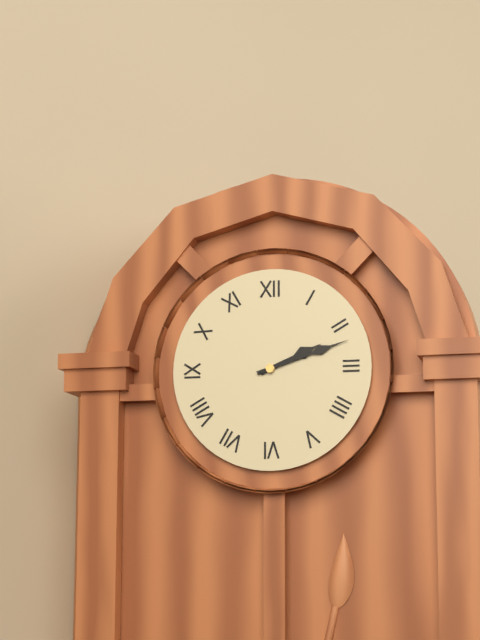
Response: **2:12**
